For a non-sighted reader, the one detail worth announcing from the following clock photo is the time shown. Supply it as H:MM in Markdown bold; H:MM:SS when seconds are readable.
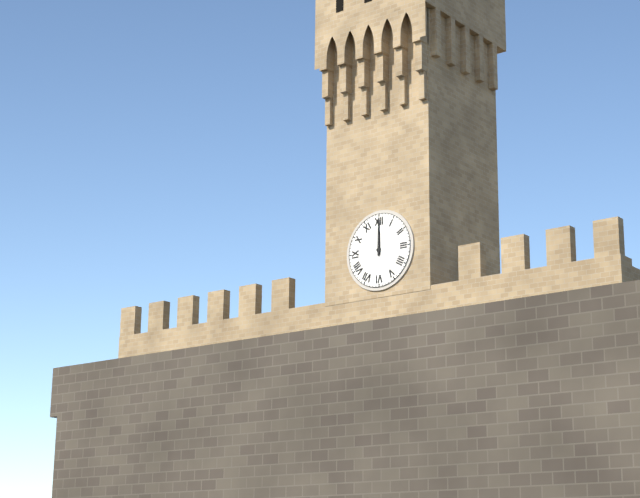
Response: **12:00**
